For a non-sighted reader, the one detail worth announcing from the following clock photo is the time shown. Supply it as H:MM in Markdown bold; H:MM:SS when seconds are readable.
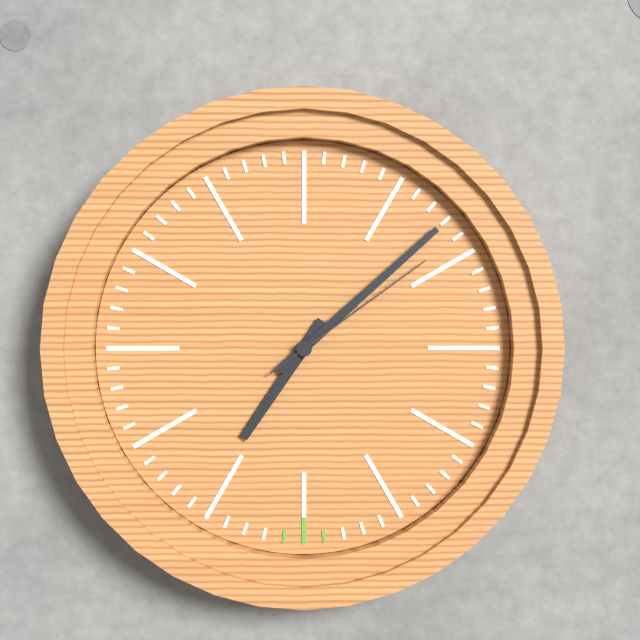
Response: **7:08:09**
